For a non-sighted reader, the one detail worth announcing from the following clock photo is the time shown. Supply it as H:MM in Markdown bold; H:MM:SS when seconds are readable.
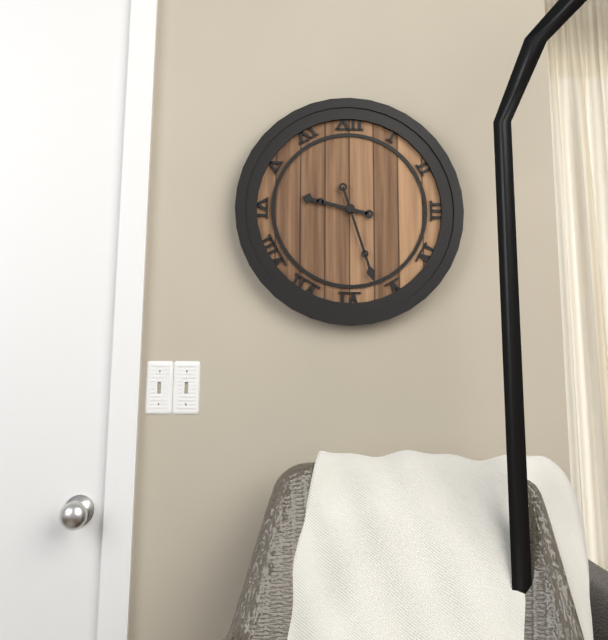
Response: **9:27**
